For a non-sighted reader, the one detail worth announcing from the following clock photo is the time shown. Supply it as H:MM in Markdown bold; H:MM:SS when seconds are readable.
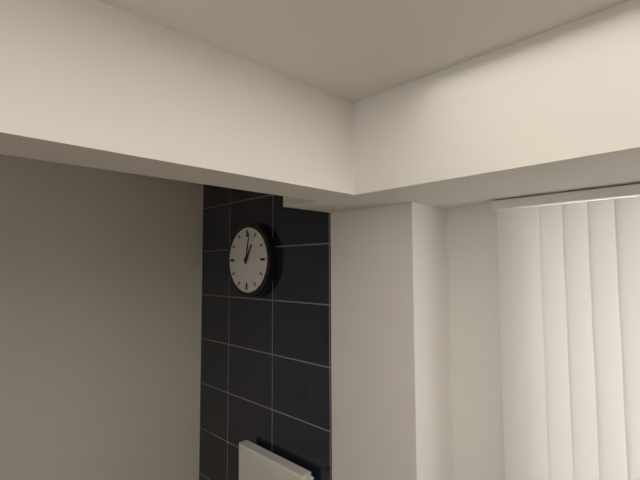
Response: **1:02**
